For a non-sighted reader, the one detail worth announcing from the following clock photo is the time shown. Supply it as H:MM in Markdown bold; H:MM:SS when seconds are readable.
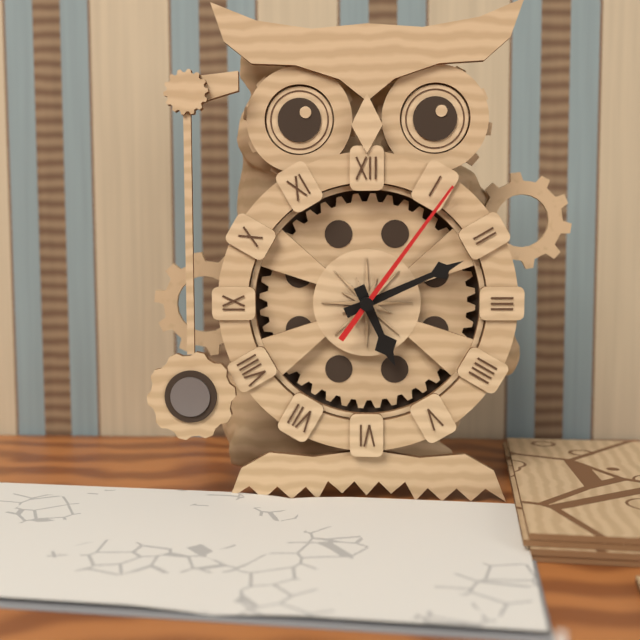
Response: **5:11:06**
